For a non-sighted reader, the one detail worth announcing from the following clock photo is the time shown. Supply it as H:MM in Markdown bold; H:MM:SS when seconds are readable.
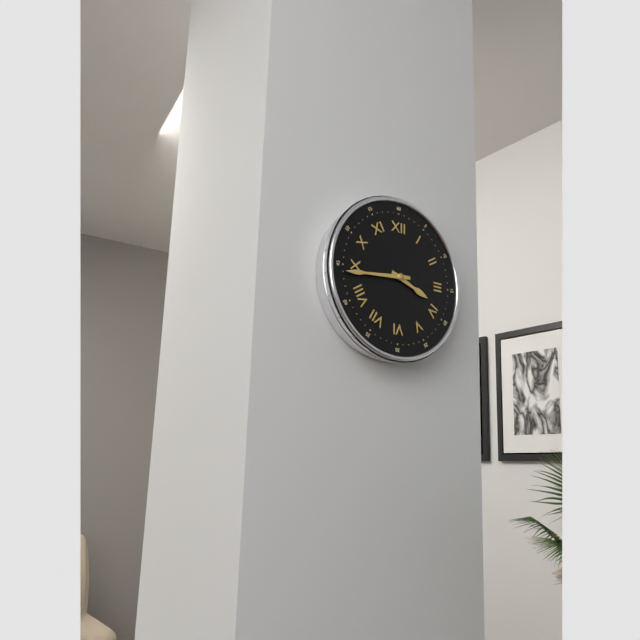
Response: **3:44**
